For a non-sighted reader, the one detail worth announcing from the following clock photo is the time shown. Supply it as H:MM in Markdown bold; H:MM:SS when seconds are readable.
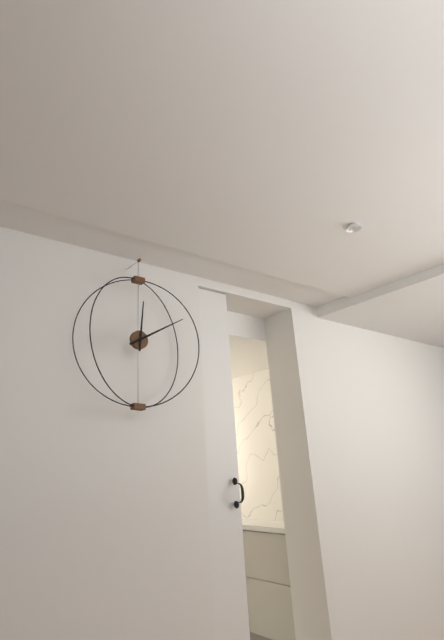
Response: **12:10**
